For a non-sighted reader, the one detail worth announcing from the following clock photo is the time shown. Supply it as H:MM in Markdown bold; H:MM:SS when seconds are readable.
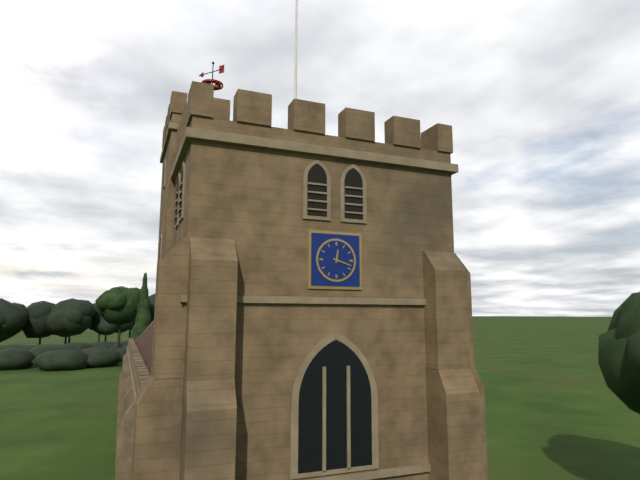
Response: **12:18**
